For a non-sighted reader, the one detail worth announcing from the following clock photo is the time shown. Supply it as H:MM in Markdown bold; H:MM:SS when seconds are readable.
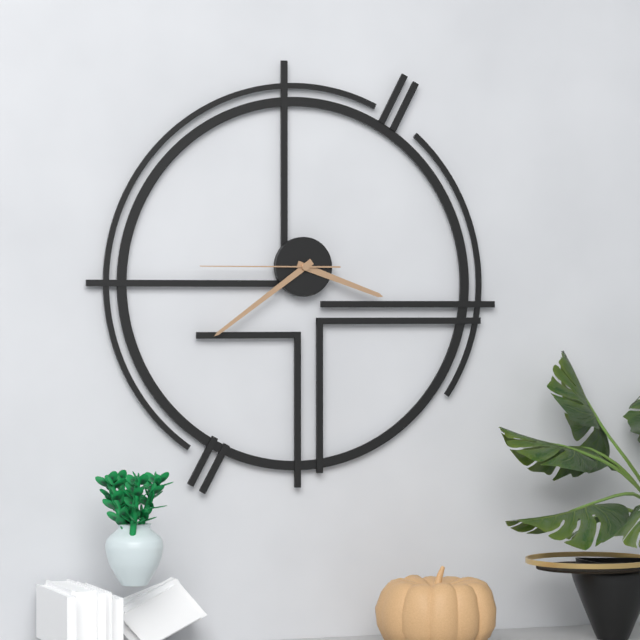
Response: **3:39:45**
